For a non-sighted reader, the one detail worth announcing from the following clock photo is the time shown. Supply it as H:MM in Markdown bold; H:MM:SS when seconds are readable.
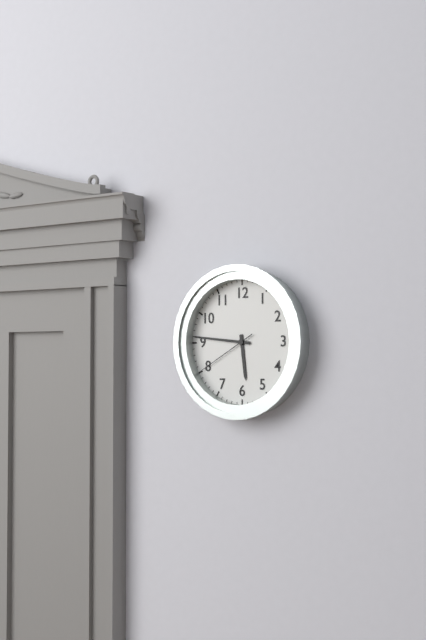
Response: **5:46:40**
